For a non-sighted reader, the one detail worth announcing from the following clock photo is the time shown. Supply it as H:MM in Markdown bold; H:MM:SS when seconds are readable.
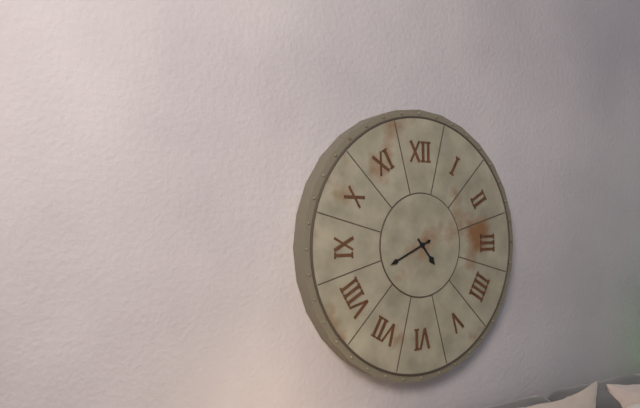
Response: **4:41**
